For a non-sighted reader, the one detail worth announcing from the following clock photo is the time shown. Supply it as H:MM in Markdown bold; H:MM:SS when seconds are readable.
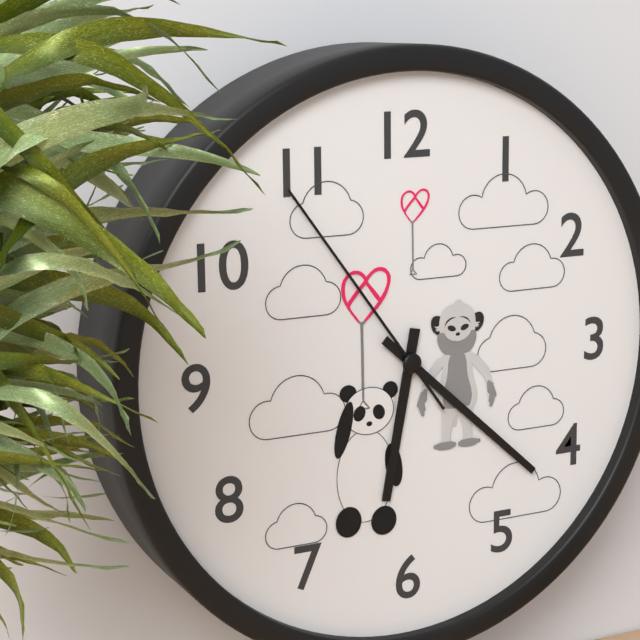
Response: **6:22:54**
